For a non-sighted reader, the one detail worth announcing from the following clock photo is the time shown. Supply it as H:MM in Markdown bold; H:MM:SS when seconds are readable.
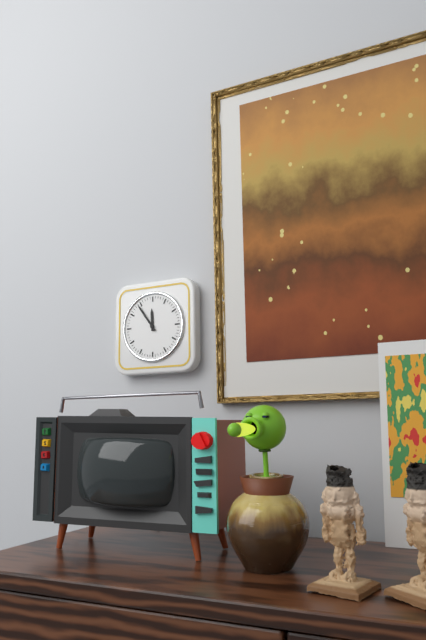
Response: **11:54**
